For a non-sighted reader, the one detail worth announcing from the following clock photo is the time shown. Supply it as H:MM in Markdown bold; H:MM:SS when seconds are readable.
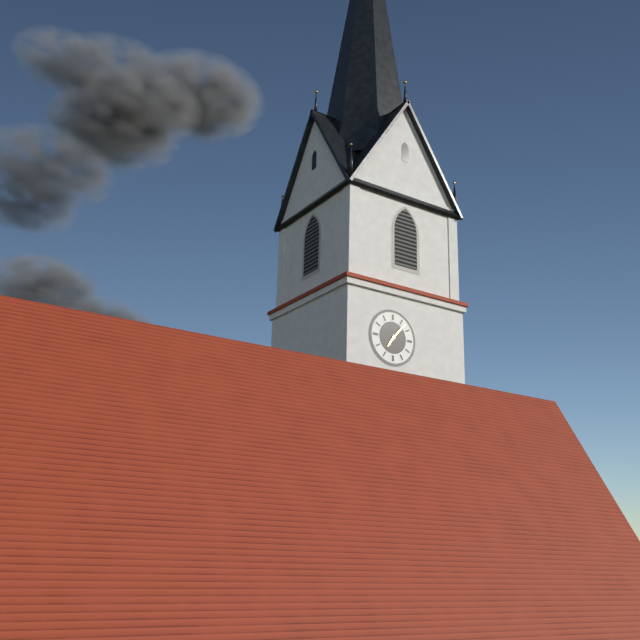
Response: **7:07**
